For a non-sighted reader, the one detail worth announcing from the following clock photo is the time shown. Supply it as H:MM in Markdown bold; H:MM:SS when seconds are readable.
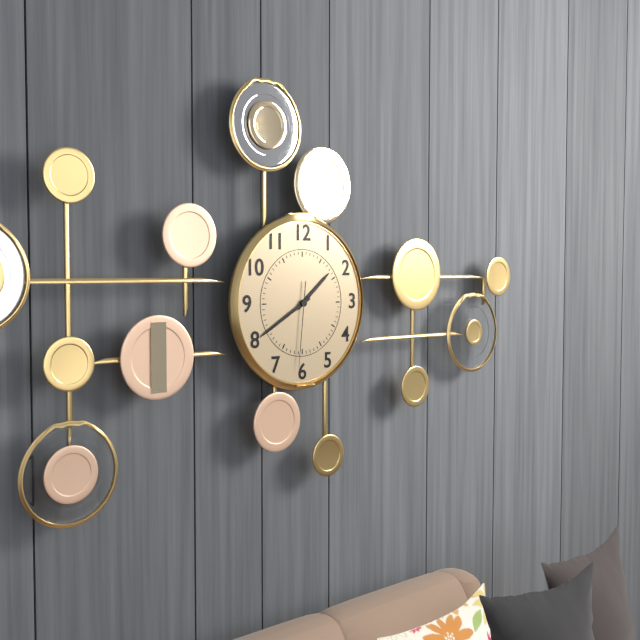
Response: **1:40:31**
